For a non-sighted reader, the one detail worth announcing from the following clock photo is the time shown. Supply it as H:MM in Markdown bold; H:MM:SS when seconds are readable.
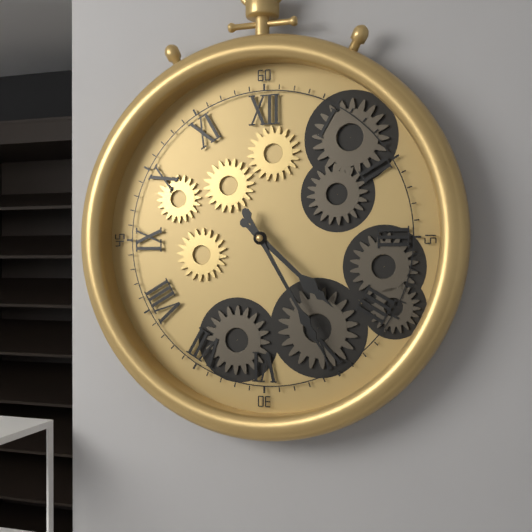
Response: **4:25**
